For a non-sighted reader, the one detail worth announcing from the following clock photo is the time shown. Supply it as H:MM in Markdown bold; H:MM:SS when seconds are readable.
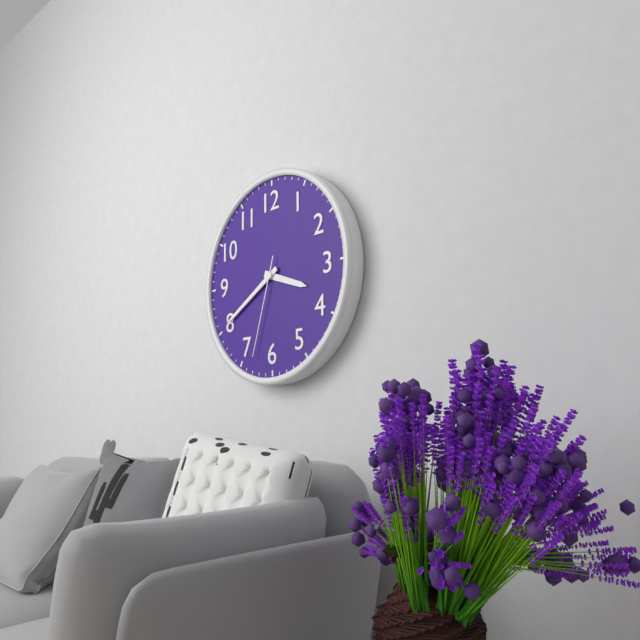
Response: **3:40:33**
